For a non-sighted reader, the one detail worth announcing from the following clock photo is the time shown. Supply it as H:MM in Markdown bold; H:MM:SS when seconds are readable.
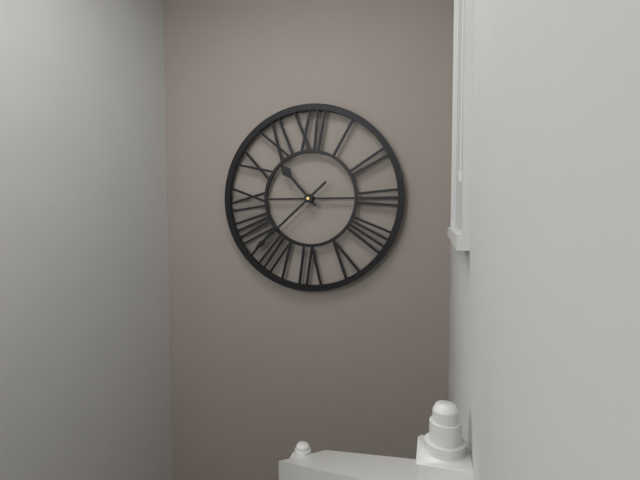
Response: **10:38**
